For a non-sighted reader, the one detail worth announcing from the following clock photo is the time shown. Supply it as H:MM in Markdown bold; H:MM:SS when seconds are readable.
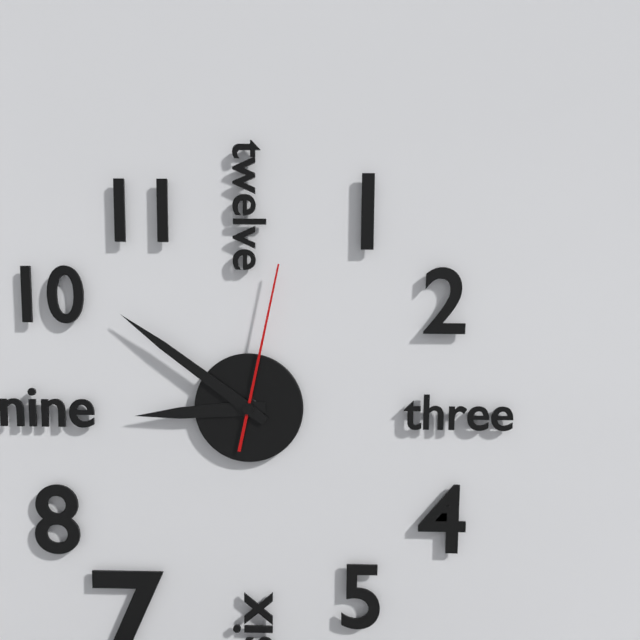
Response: **8:51:02**
